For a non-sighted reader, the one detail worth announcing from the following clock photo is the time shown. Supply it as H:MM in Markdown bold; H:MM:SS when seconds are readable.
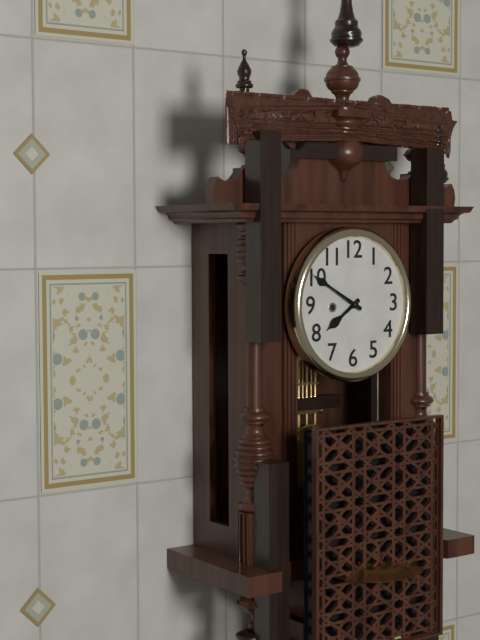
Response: **7:50**
